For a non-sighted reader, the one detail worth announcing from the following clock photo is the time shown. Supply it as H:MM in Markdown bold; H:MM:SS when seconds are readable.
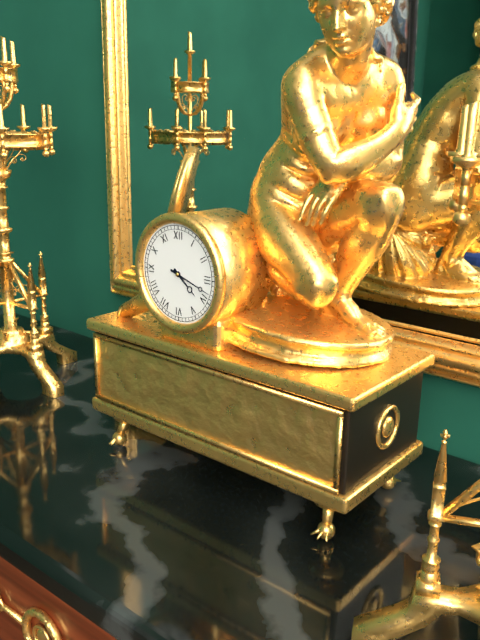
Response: **4:18**
